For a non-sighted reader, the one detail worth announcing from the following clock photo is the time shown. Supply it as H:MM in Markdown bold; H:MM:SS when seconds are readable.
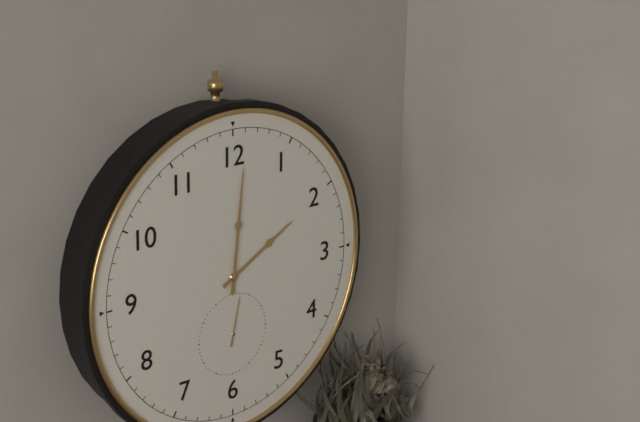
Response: **2:01**
